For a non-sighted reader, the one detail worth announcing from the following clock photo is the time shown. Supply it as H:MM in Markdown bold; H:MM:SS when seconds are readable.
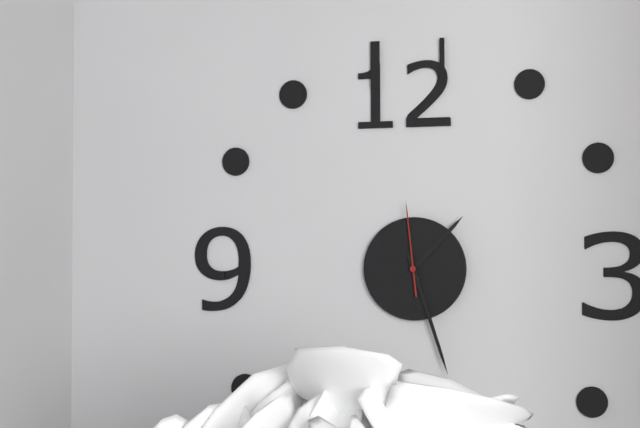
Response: **1:27:59**
